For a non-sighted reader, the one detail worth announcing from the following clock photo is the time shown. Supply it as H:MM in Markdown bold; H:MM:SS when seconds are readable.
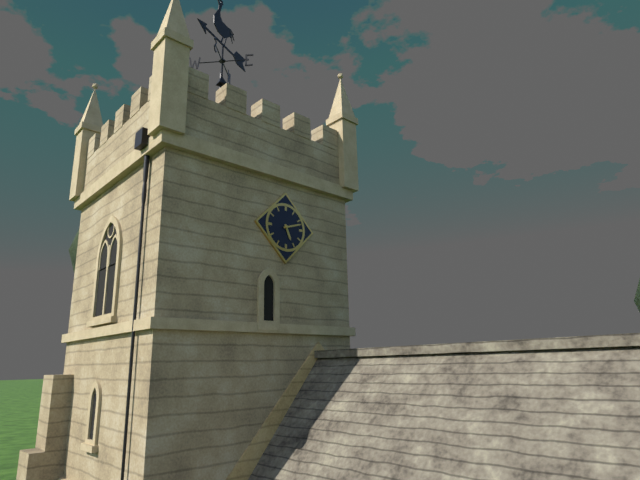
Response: **5:12**
